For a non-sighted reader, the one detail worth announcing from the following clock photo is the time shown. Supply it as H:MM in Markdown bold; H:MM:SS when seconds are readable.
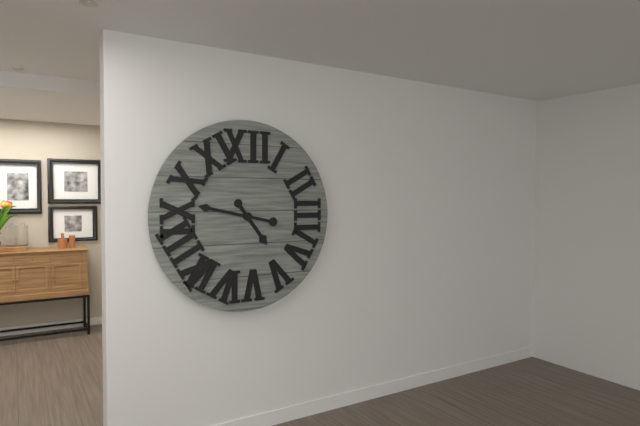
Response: **4:47**
